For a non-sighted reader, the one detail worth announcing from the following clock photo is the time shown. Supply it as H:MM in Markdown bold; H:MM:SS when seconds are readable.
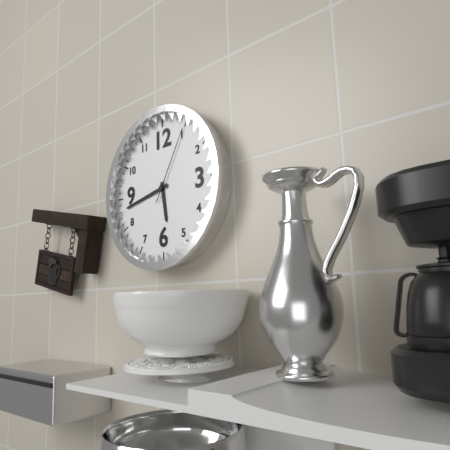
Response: **5:43:05**
